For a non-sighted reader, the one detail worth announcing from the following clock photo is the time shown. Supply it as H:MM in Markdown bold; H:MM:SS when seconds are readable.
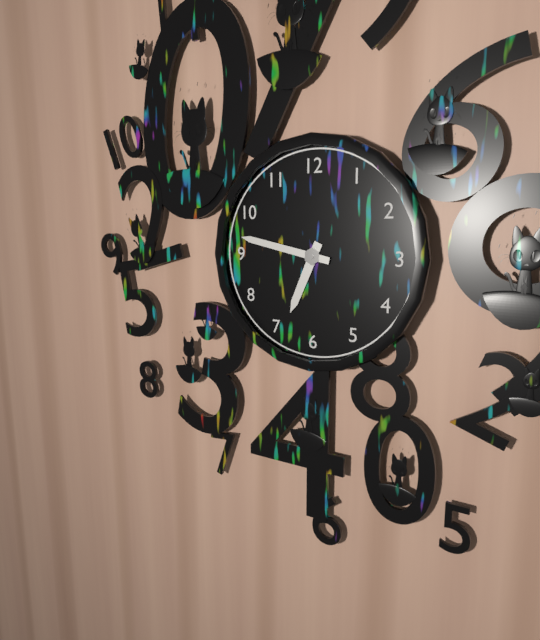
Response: **6:47**
